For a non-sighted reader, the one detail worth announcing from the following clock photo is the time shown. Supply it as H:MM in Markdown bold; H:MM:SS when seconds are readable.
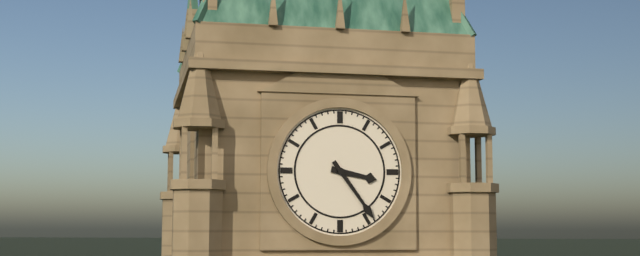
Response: **3:24**
